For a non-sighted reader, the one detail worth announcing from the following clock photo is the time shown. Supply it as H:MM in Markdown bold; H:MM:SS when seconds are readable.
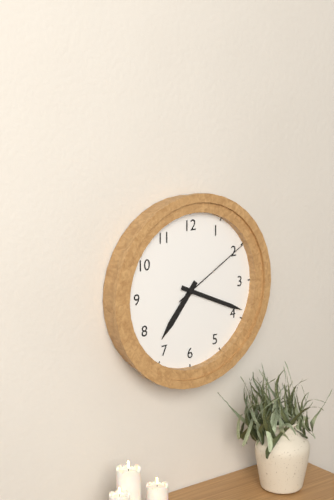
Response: **7:19:10**
